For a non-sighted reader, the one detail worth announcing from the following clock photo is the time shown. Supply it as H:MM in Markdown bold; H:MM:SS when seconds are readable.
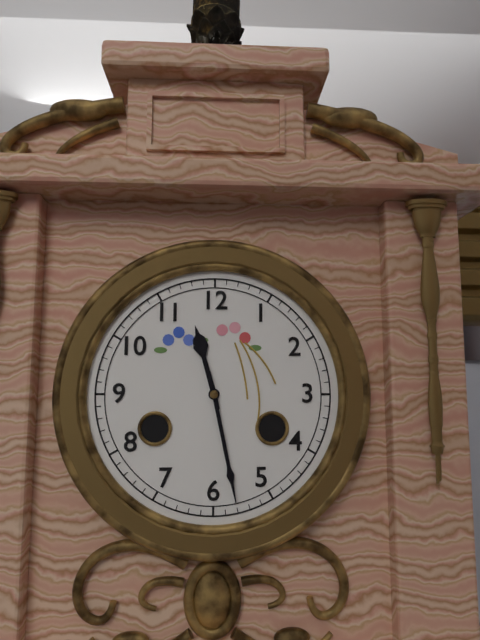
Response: **11:28**
